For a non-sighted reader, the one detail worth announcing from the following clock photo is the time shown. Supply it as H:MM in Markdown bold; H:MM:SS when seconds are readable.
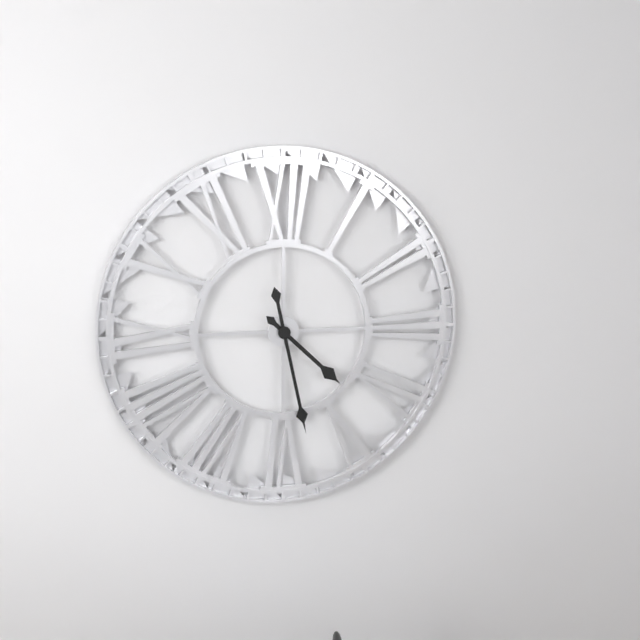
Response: **4:28**
